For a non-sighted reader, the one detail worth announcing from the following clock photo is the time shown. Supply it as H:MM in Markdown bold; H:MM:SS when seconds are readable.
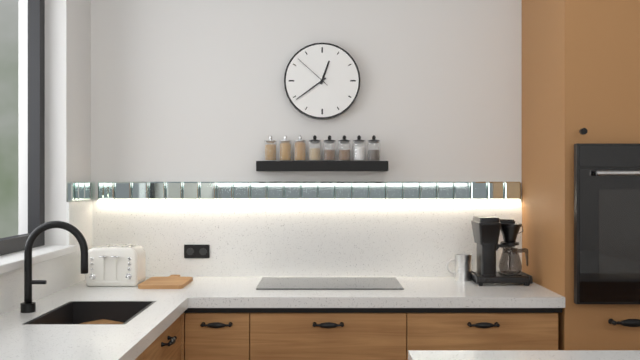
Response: **12:39**
